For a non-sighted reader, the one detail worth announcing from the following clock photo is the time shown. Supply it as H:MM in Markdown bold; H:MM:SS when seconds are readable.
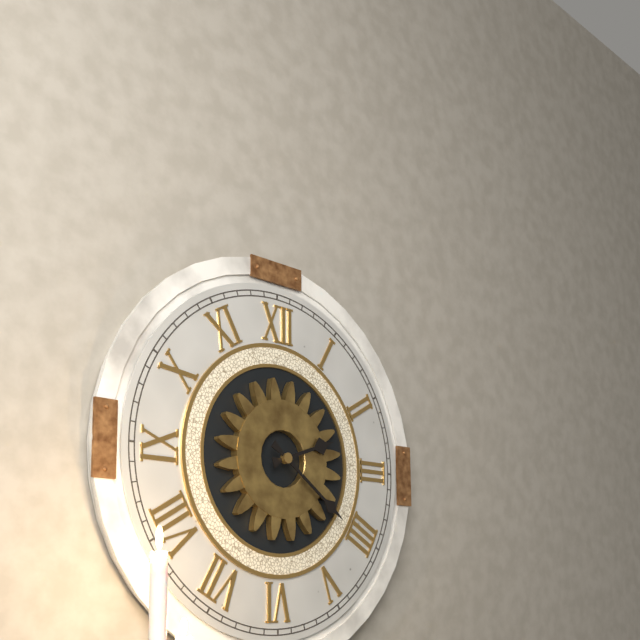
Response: **2:21**
